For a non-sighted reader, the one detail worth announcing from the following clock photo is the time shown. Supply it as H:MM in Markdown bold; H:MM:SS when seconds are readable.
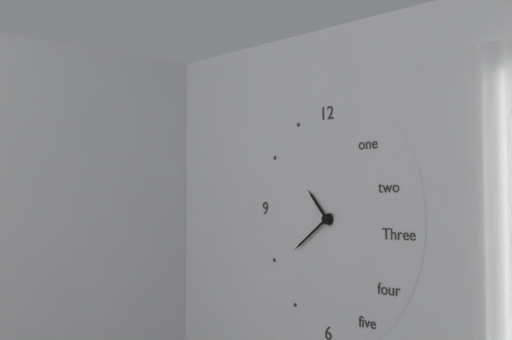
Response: **10:39**
